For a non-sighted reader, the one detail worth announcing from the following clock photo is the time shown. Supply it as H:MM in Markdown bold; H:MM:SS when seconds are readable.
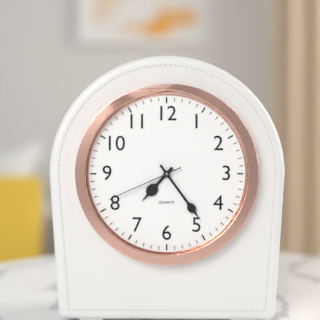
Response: **7:24:41**
